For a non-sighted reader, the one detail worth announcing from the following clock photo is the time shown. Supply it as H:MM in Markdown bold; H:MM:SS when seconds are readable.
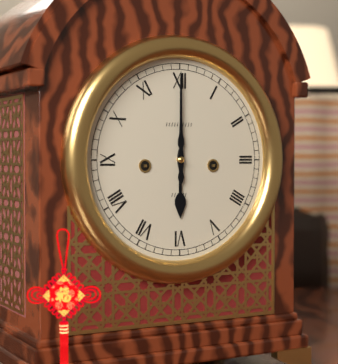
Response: **6:00**
